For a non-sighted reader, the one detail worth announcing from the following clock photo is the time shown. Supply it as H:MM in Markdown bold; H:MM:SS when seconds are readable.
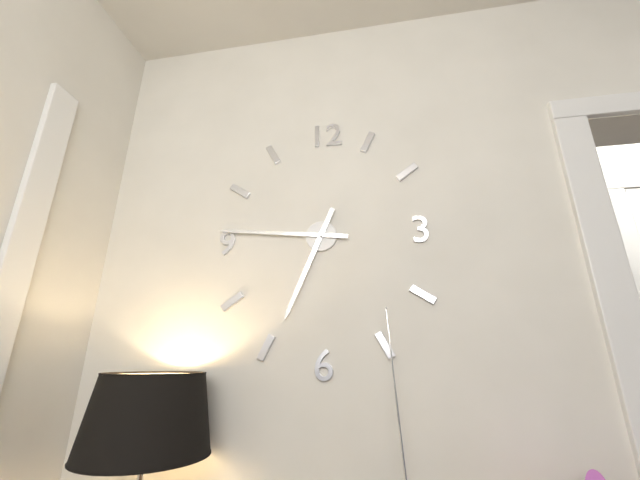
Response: **6:46**
